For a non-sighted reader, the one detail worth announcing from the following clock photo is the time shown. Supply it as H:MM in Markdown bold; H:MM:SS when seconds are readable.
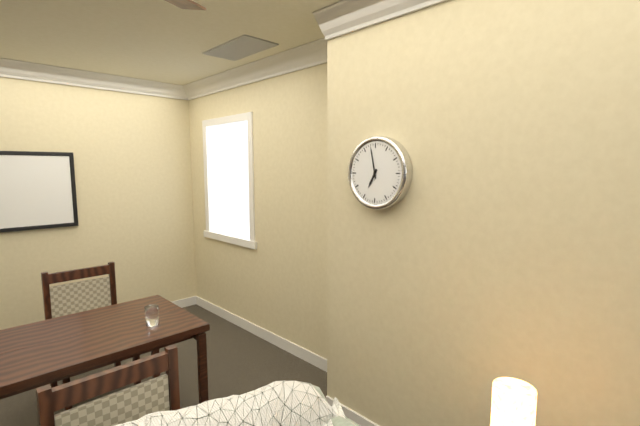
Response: **6:58**
